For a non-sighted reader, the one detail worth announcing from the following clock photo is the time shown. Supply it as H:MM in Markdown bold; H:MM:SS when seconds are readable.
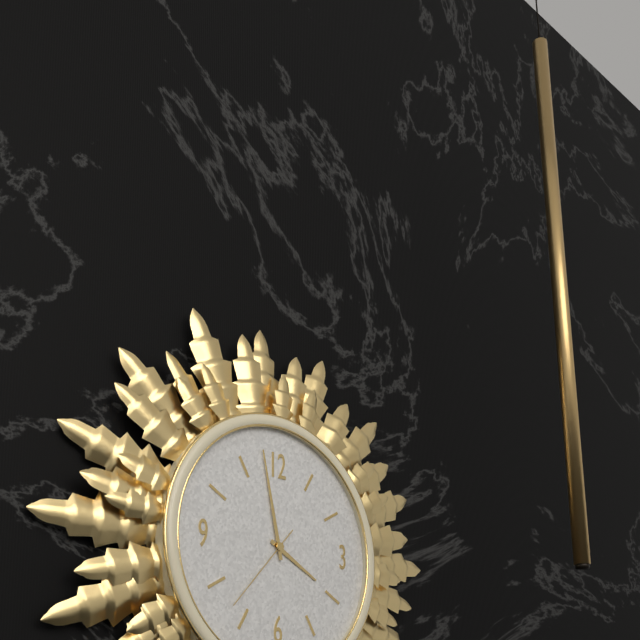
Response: **3:58:37**
